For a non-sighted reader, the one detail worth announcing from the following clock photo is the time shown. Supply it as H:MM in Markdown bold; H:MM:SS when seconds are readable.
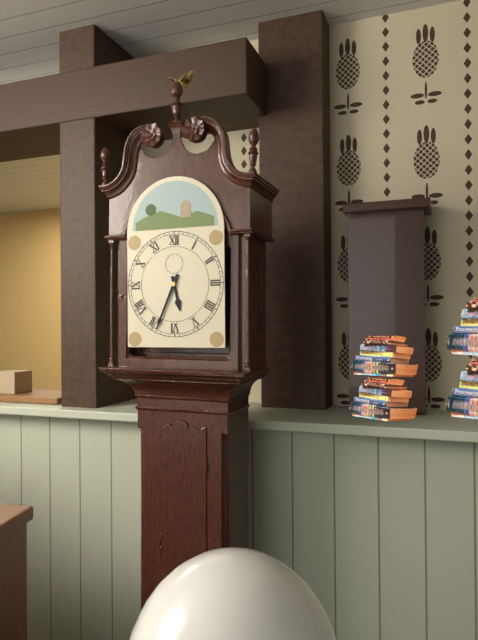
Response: **5:34**
